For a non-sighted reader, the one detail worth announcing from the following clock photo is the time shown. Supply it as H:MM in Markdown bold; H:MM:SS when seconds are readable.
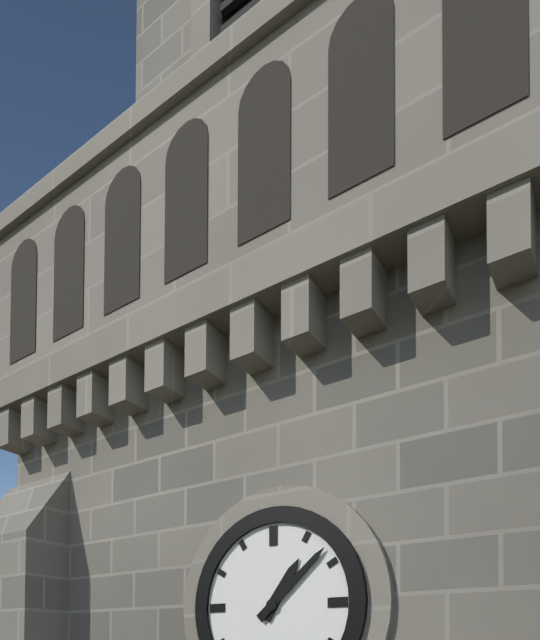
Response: **1:08**
